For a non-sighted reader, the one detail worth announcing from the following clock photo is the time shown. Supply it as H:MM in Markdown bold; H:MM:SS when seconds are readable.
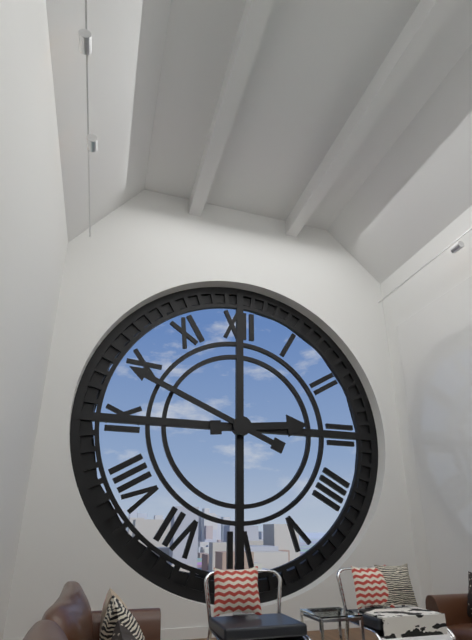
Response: **2:49**
